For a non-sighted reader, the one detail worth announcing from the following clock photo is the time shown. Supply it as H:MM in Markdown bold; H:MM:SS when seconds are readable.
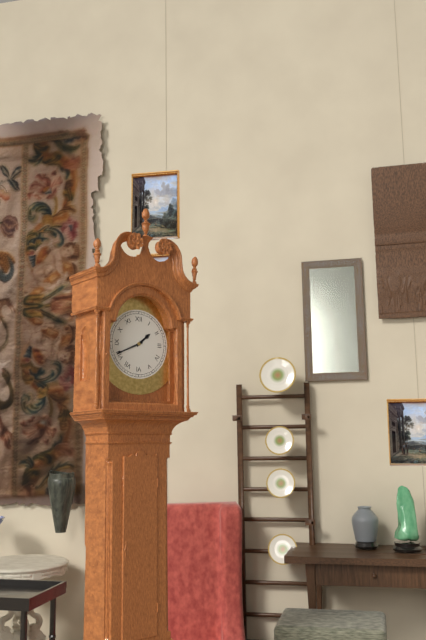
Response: **1:41**
